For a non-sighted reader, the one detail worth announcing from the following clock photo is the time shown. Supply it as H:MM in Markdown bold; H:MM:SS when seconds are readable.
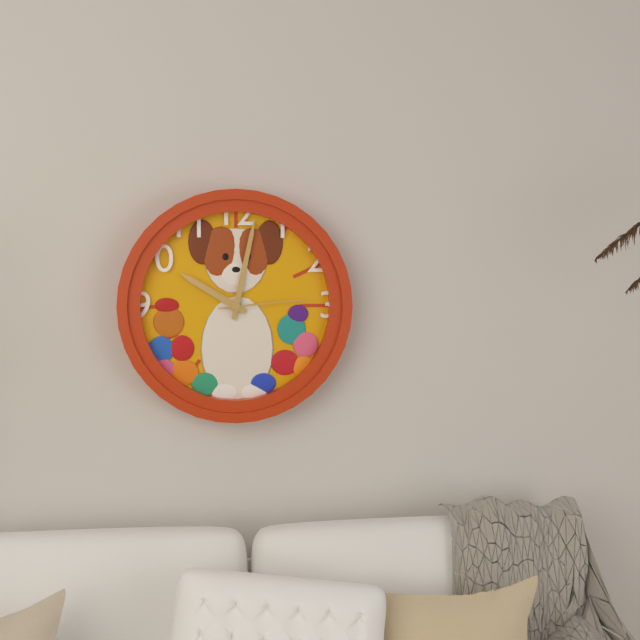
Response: **10:02:14**
